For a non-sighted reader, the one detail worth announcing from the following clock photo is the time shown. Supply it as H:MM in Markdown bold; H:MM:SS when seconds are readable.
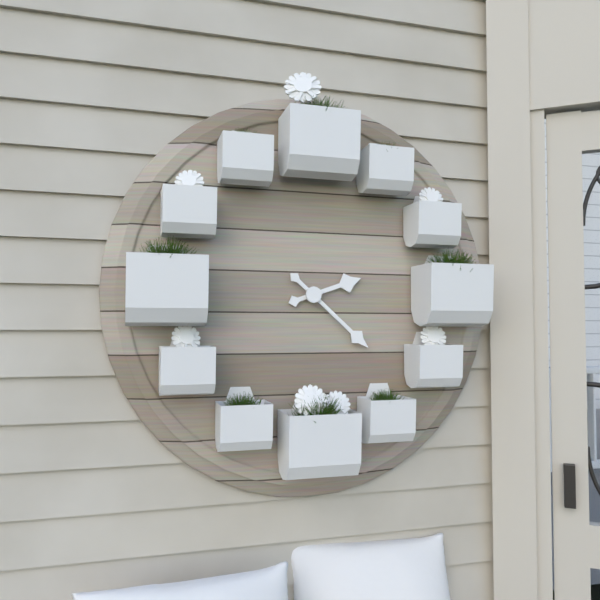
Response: **2:22**
